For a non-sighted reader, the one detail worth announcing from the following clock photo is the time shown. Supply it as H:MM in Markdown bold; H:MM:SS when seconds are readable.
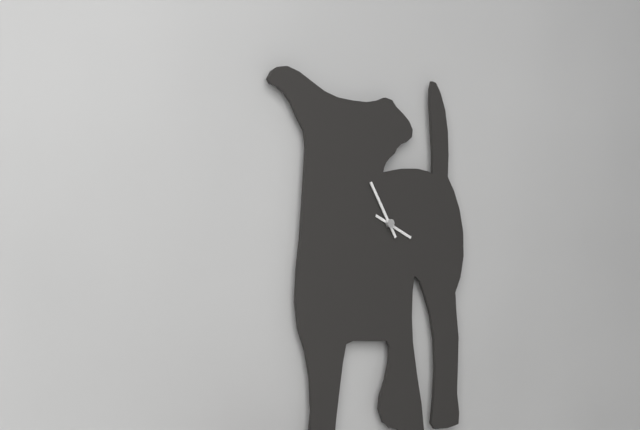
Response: **3:55**
